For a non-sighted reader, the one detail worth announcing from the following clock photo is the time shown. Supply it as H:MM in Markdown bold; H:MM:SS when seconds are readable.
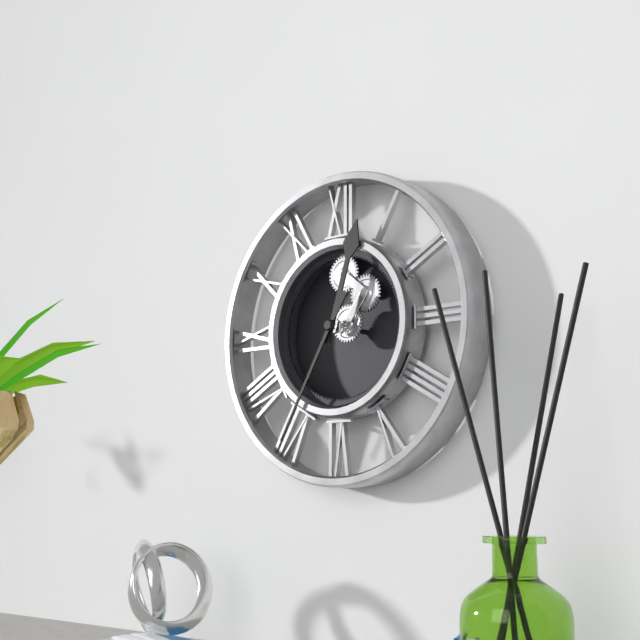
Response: **12:35**
